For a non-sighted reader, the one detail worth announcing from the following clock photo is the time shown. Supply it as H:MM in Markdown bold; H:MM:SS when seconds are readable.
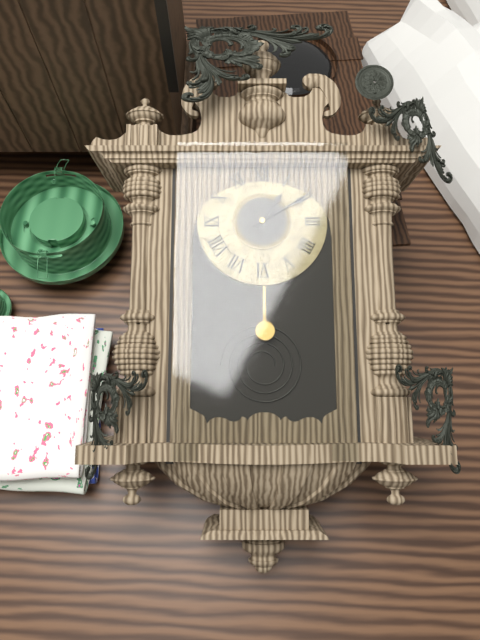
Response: **1:10**
